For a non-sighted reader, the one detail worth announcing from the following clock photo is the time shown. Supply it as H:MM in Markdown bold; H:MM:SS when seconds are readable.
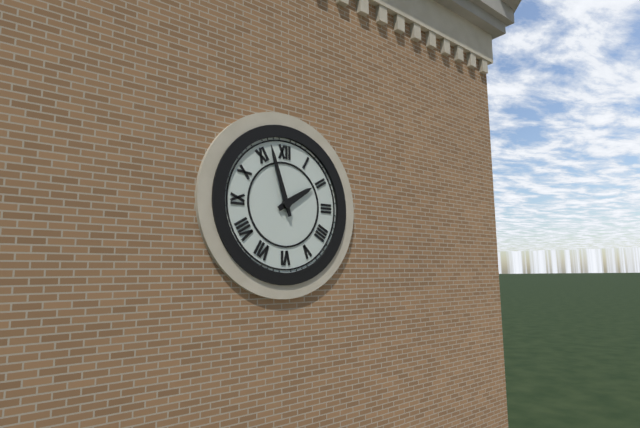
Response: **1:57**
